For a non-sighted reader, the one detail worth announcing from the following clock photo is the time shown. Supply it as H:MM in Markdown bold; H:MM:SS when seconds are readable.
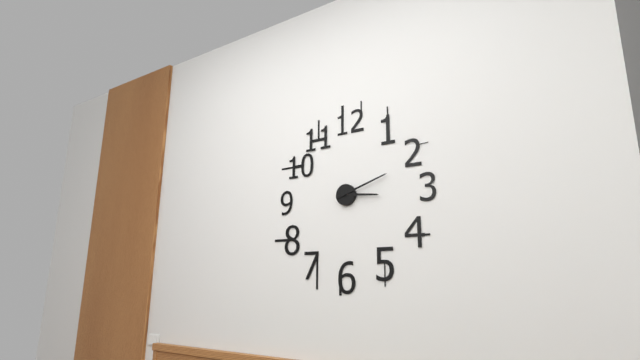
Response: **3:12**
